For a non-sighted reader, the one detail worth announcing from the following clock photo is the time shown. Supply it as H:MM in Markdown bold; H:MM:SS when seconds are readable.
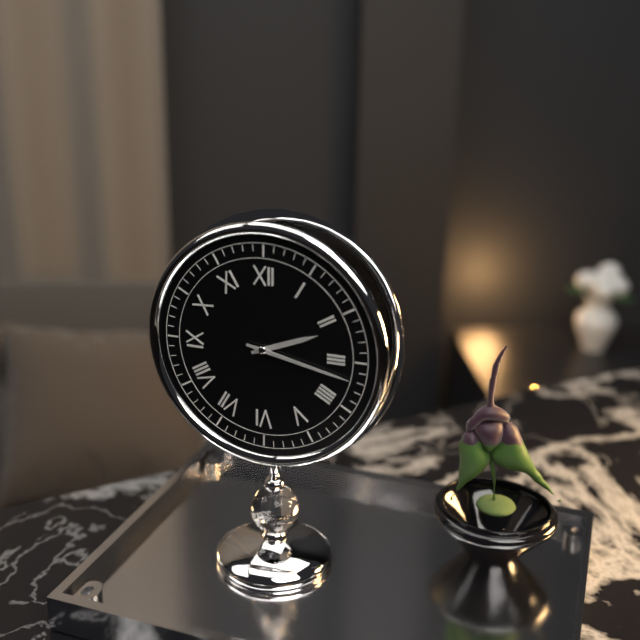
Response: **2:17**
